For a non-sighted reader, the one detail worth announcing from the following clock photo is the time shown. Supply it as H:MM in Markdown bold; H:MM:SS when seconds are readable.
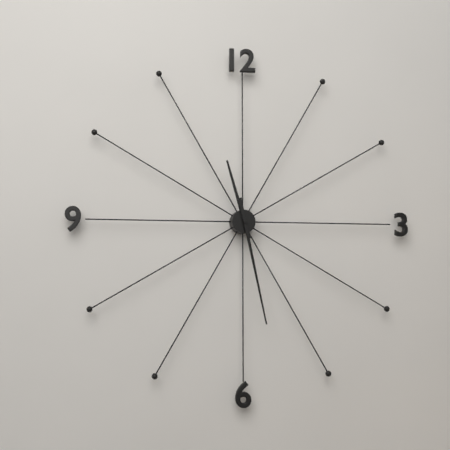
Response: **11:28**
